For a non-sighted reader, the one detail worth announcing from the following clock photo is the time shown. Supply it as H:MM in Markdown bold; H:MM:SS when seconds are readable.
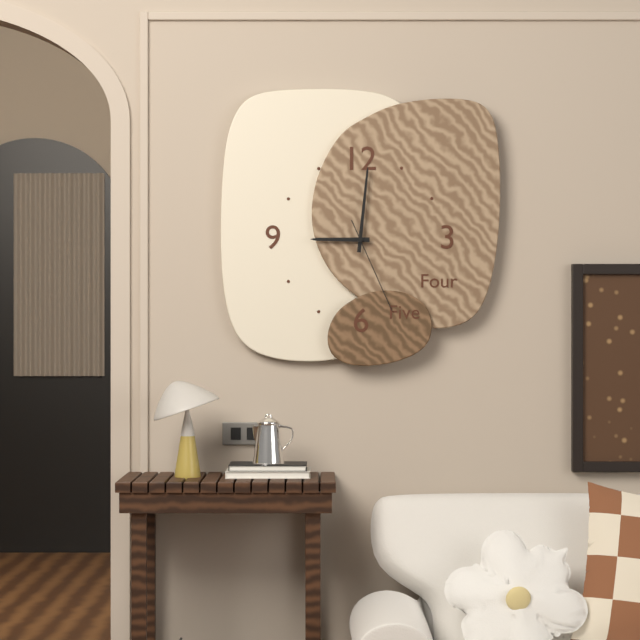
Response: **9:01:26**
